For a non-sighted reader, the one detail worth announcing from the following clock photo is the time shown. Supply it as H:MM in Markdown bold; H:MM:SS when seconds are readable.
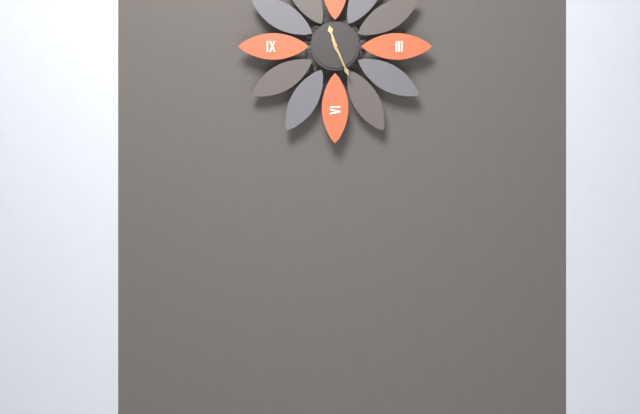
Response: **11:26**
